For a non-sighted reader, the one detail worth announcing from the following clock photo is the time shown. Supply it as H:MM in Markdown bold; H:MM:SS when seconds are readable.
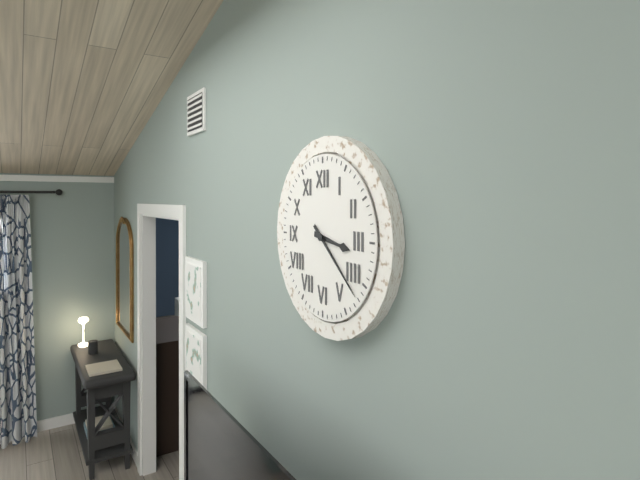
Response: **3:22**
